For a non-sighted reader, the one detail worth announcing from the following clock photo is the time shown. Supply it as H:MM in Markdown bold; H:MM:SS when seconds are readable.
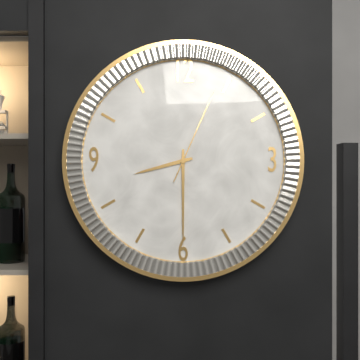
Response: **8:30:04**
